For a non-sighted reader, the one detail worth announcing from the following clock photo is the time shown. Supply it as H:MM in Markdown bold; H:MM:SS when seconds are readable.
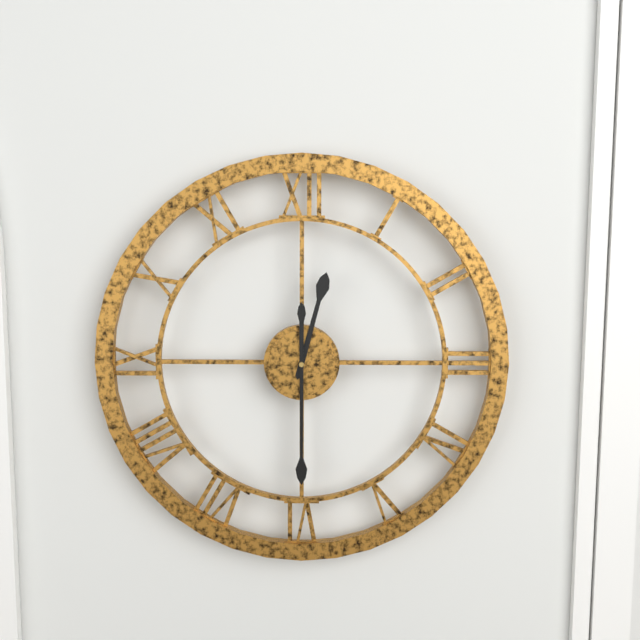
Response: **12:30**
